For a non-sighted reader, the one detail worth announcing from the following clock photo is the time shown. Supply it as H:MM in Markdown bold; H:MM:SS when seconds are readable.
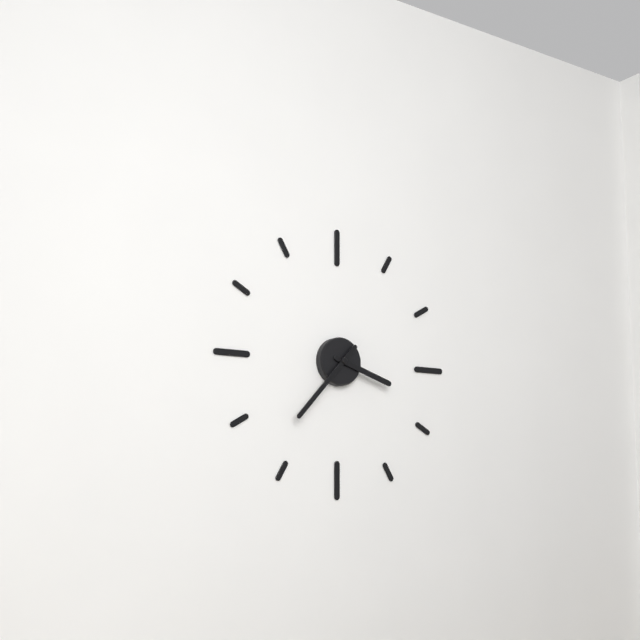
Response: **3:37**
